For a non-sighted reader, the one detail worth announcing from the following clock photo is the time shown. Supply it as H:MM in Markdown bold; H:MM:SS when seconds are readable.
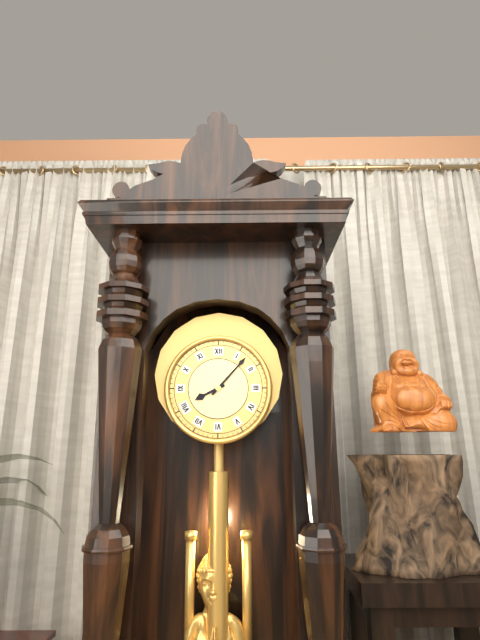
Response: **8:07**
